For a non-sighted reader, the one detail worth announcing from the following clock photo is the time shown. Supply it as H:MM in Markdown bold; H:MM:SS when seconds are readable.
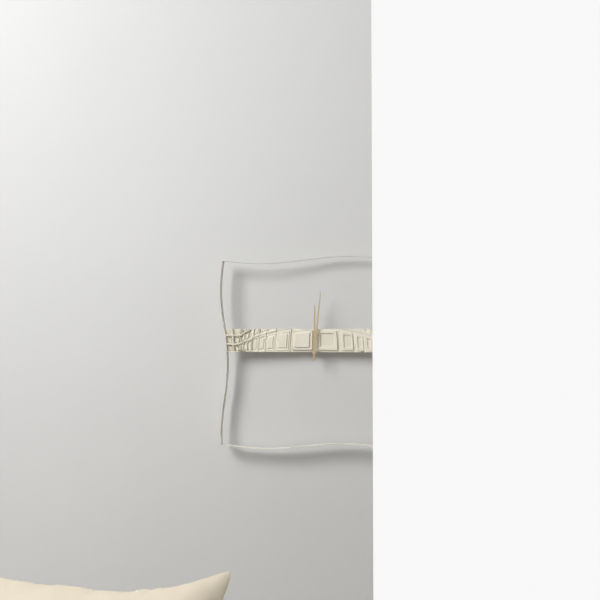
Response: **12:01**
